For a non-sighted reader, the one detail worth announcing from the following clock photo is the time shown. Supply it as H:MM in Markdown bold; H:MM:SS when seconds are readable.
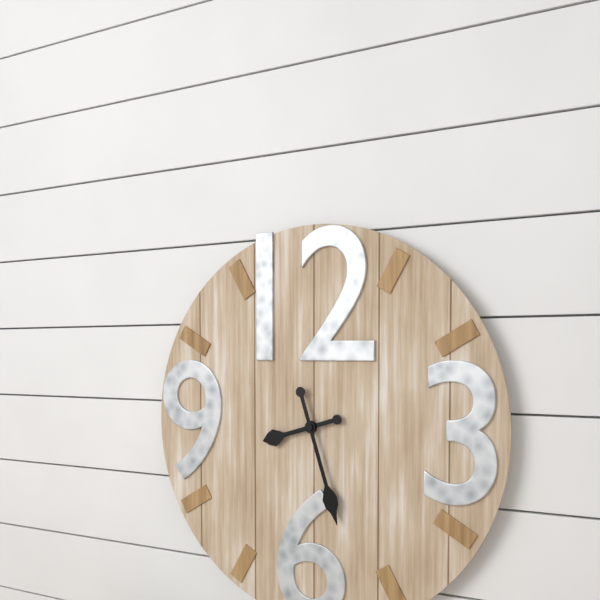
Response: **8:27**
